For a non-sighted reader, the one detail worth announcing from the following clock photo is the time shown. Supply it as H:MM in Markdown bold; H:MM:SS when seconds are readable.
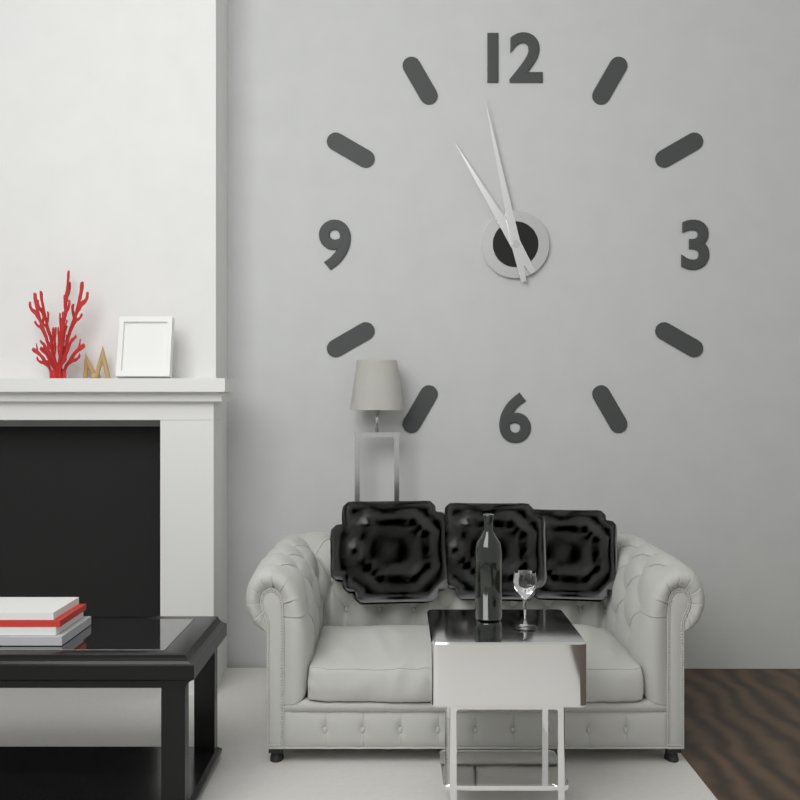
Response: **10:58**
